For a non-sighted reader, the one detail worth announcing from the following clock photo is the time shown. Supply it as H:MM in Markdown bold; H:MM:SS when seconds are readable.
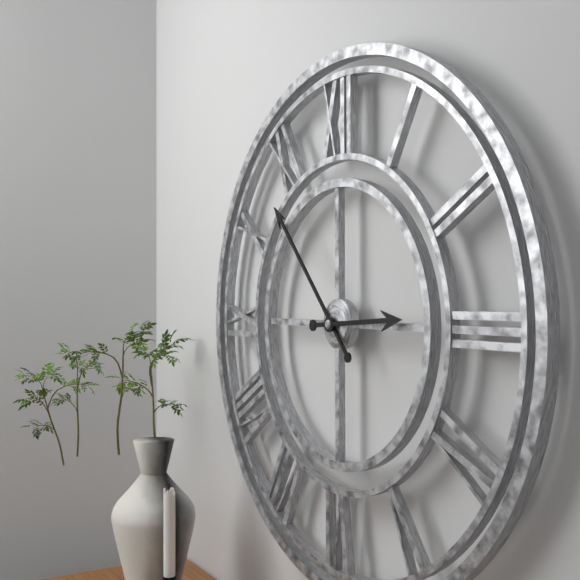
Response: **2:53**
